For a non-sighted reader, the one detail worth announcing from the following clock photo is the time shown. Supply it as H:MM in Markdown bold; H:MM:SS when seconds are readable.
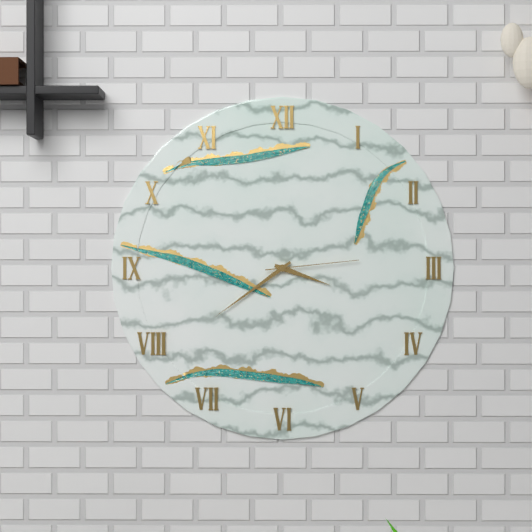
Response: **3:39:14**
